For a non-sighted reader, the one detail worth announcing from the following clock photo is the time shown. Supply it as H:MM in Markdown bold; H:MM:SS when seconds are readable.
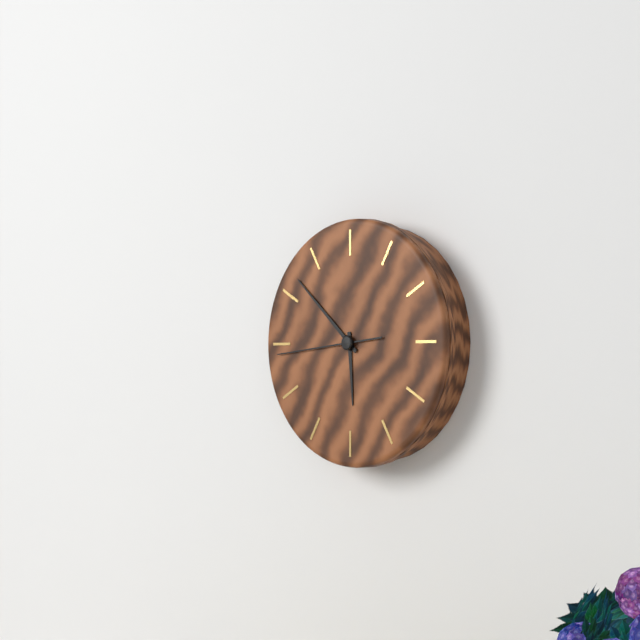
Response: **5:52:44**
